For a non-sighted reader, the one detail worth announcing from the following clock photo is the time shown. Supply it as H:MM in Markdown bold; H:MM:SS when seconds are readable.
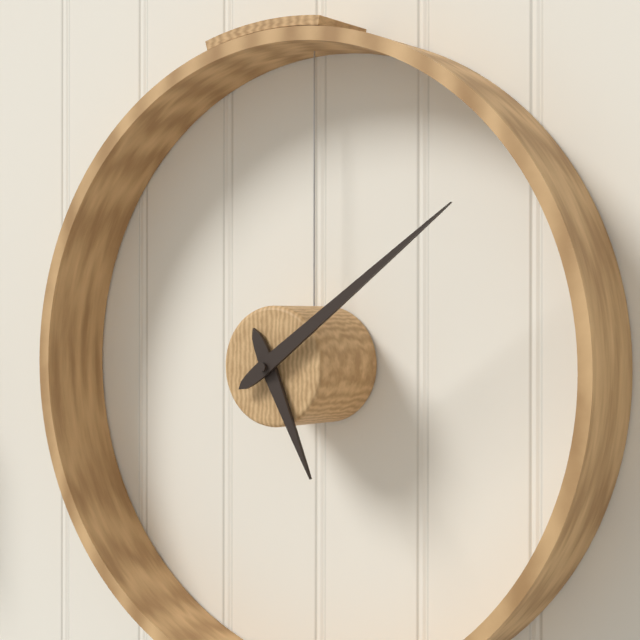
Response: **5:09**
